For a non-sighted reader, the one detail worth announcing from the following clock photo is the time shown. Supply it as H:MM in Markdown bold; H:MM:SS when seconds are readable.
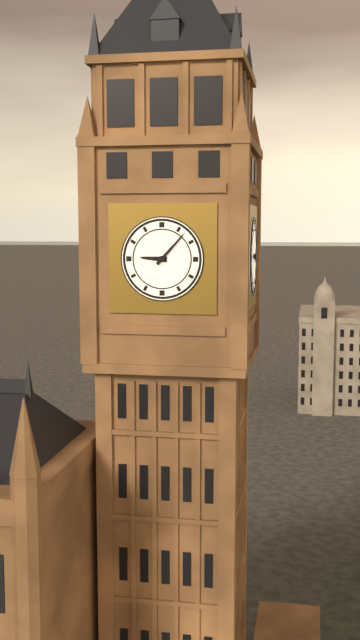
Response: **9:07**
